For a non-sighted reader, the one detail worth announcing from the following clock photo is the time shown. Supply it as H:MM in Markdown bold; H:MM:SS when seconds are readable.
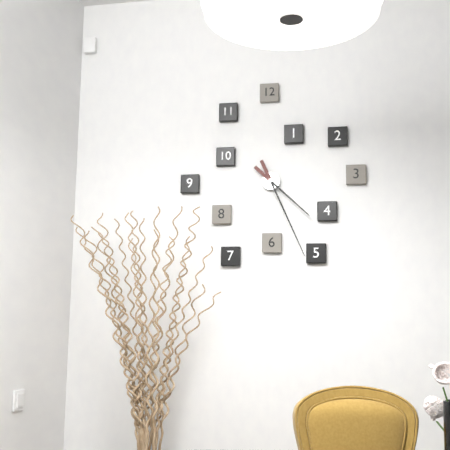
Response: **4:26**
